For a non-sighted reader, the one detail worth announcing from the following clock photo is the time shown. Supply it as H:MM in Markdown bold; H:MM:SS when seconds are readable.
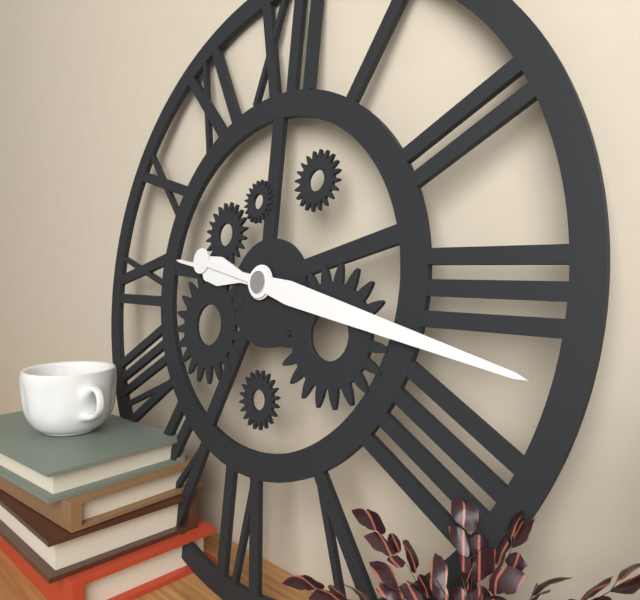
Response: **9:17**
